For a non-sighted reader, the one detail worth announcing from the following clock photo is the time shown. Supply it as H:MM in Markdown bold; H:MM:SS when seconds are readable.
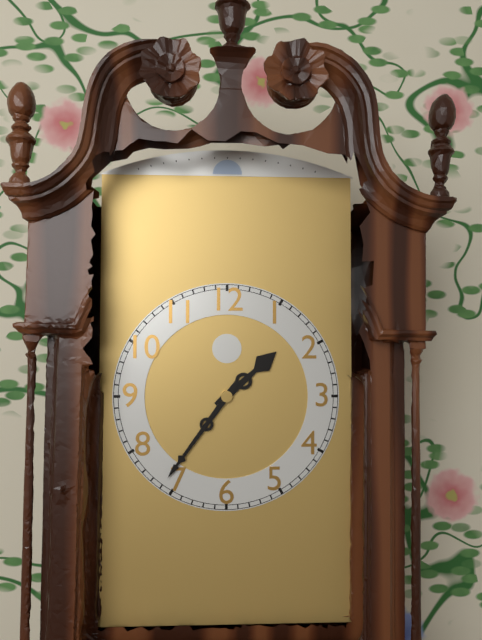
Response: **1:36**
